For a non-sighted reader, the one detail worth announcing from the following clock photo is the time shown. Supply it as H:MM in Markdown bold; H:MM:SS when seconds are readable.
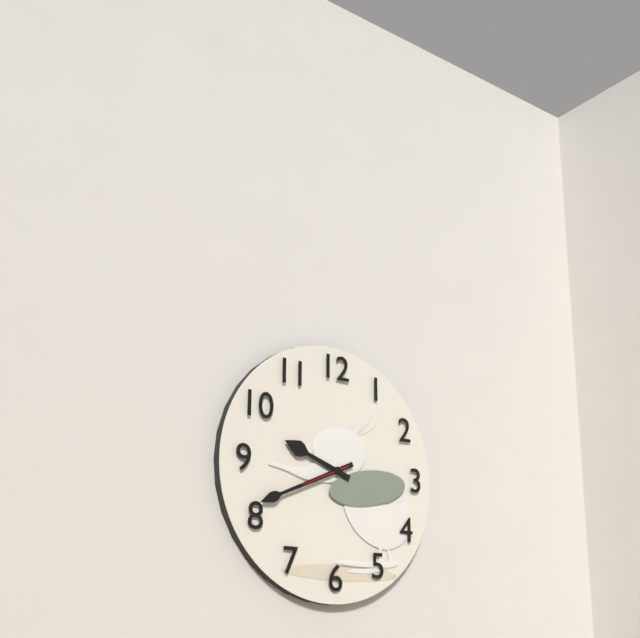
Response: **9:41**
